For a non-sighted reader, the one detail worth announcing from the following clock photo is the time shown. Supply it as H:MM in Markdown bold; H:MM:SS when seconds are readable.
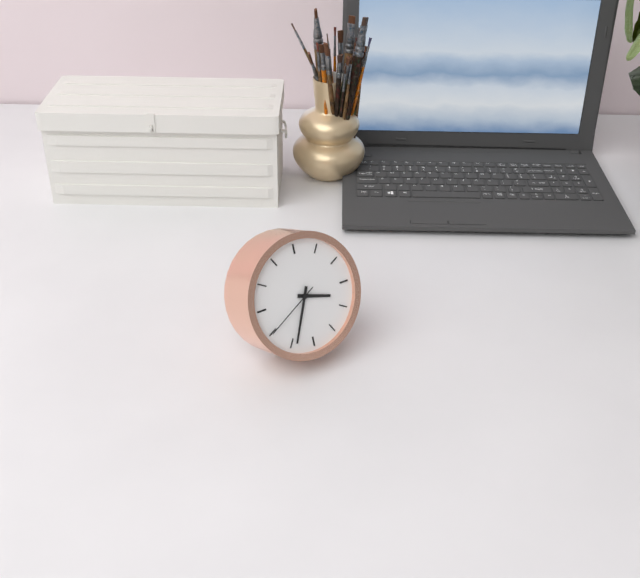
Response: **3:34:40**
